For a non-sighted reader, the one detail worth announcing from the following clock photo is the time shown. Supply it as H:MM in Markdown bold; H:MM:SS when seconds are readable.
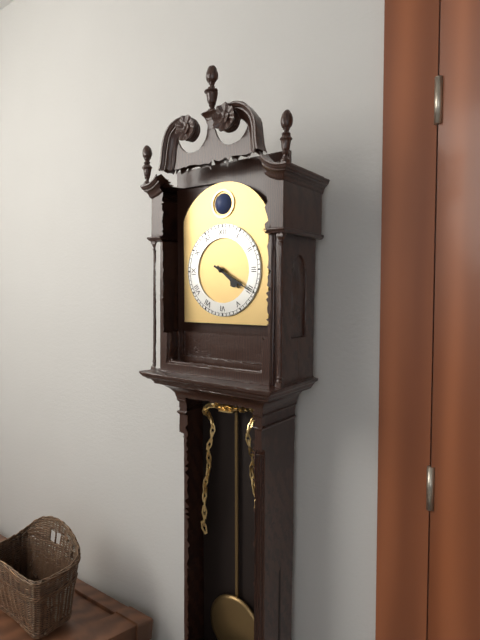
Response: **4:20**
